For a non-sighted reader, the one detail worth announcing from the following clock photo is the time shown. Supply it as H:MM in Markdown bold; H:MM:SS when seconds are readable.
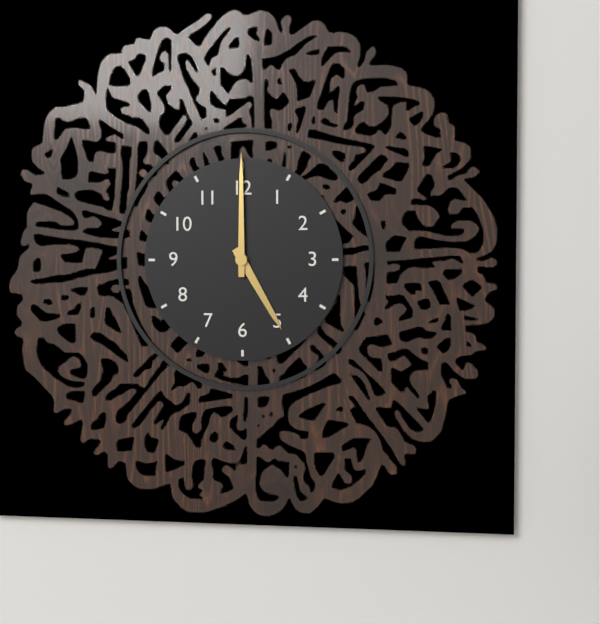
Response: **5:00**
